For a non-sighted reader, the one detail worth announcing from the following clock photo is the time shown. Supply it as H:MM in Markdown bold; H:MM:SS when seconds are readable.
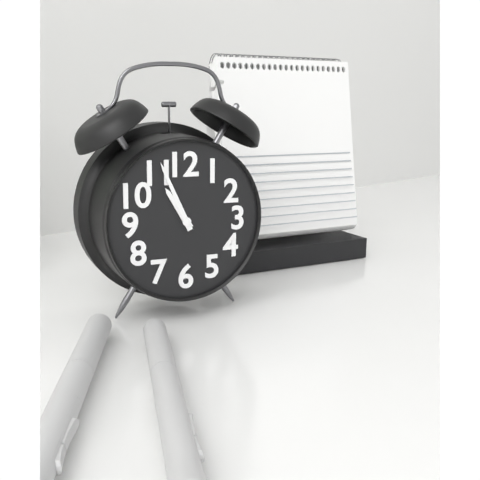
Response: **10:56**
